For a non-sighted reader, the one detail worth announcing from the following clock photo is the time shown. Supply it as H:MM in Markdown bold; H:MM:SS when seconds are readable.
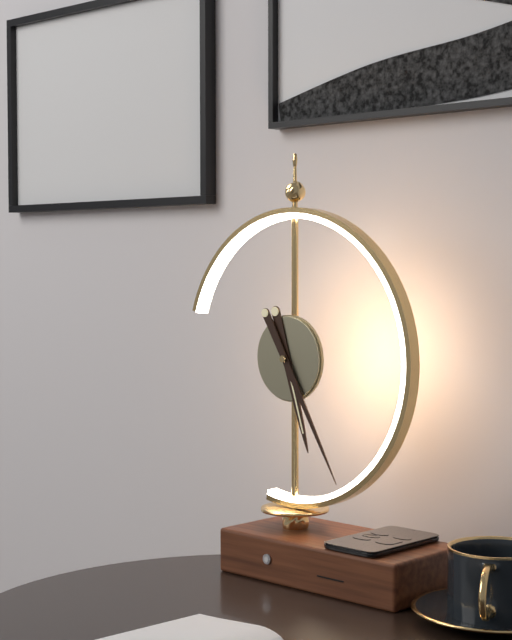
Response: **5:25**
